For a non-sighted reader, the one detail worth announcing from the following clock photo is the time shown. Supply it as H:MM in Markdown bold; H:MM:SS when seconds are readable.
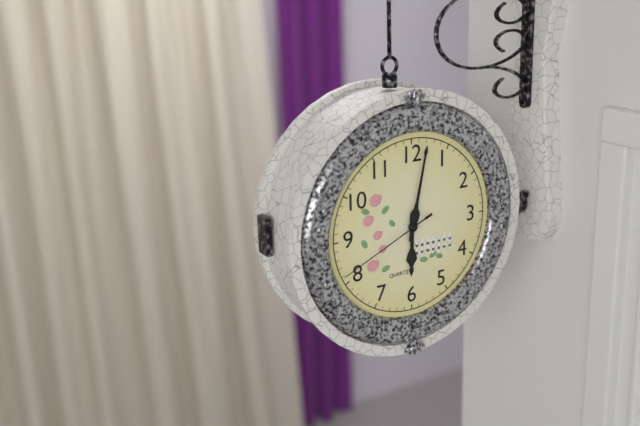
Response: **6:02:41**
